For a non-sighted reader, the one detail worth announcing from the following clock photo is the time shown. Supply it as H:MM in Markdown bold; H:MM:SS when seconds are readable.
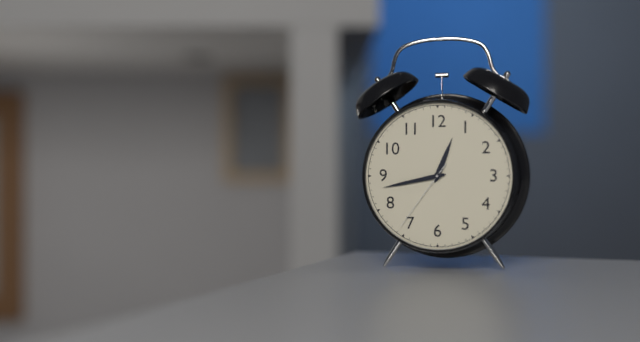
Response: **12:43:36**
